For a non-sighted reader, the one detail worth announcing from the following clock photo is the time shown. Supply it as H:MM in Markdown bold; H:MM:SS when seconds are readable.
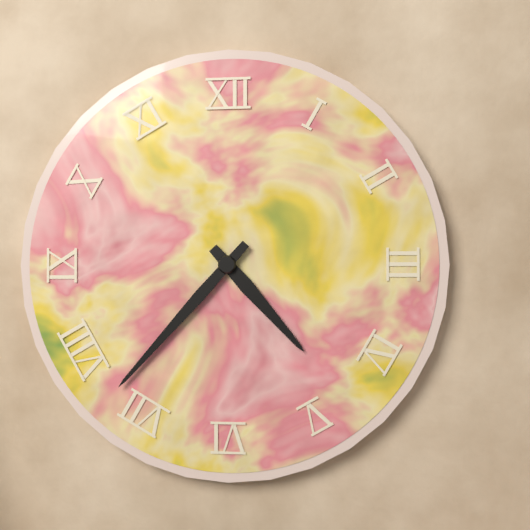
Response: **4:37**
